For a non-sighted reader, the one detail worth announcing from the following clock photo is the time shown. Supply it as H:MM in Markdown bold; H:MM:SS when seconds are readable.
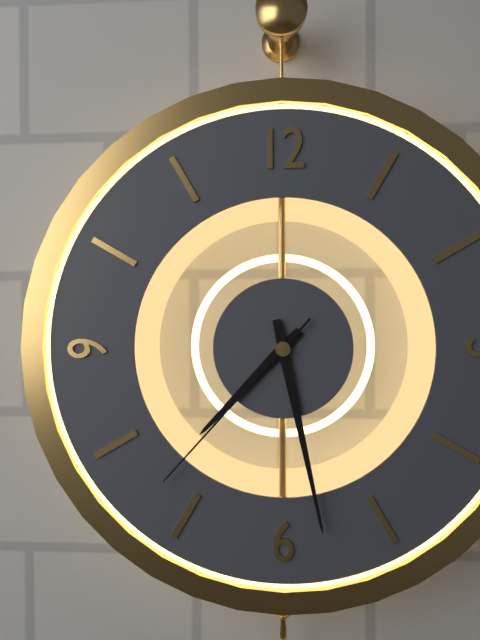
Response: **7:28:37**
